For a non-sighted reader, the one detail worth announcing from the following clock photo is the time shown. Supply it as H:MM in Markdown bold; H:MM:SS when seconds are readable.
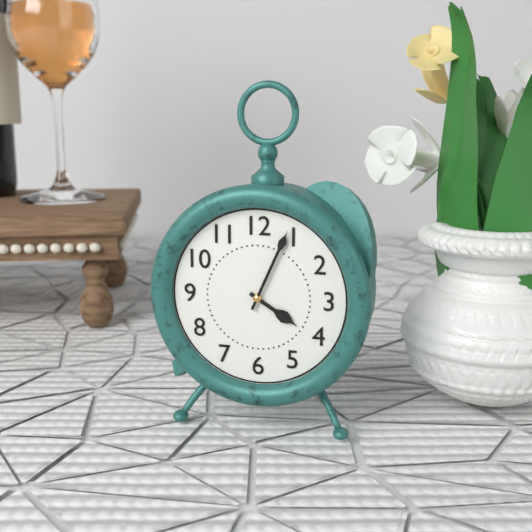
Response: **4:04**
